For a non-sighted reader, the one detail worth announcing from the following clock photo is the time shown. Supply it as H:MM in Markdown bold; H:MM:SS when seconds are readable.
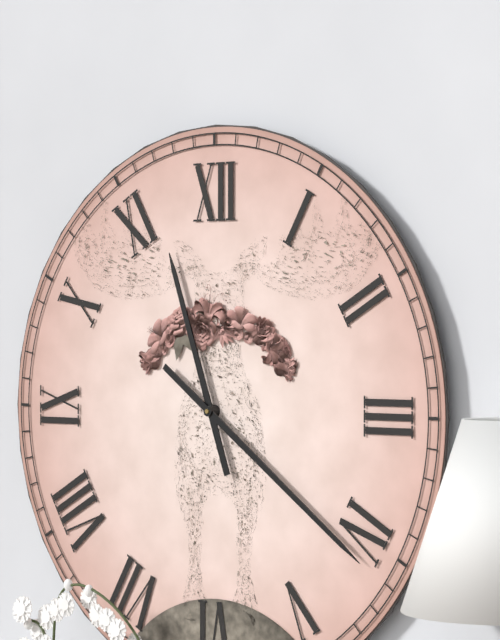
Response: **11:21**
